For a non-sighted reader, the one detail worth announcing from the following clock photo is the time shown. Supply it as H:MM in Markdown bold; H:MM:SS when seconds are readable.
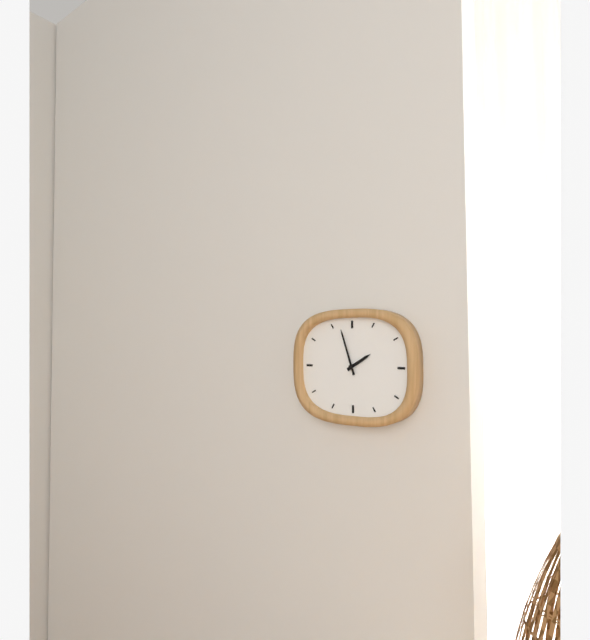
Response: **1:57**
